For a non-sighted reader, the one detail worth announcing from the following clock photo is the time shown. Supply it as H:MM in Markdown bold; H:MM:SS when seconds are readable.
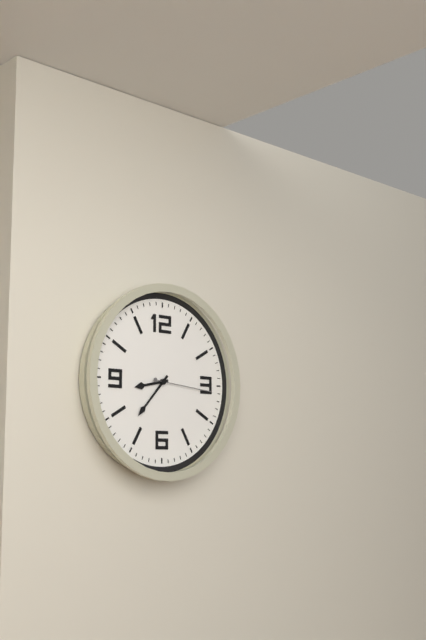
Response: **8:37:16**
